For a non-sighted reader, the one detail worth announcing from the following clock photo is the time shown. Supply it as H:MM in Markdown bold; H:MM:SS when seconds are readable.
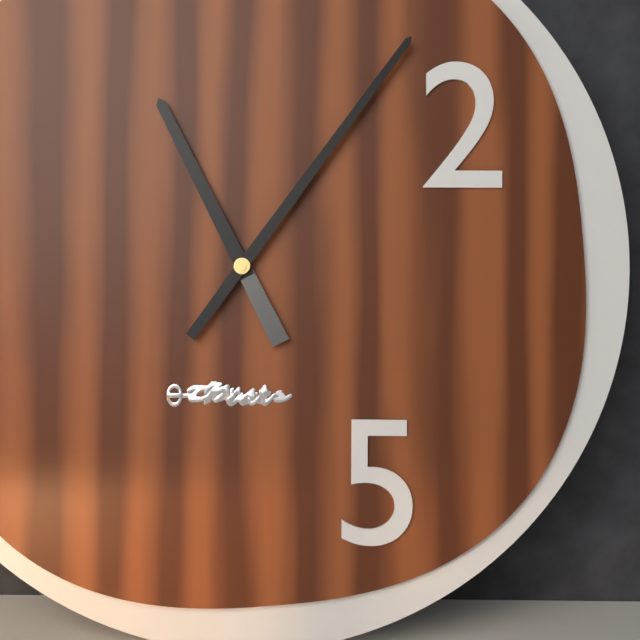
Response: **11:06**
